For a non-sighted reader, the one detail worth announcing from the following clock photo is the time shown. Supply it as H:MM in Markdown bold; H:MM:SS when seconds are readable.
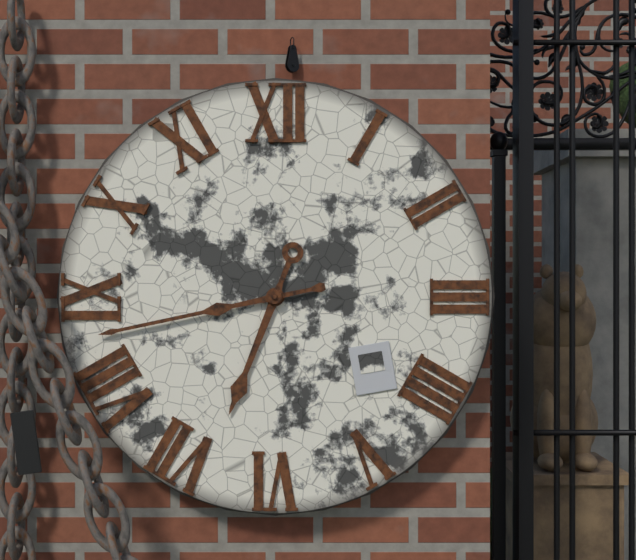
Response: **6:43**
